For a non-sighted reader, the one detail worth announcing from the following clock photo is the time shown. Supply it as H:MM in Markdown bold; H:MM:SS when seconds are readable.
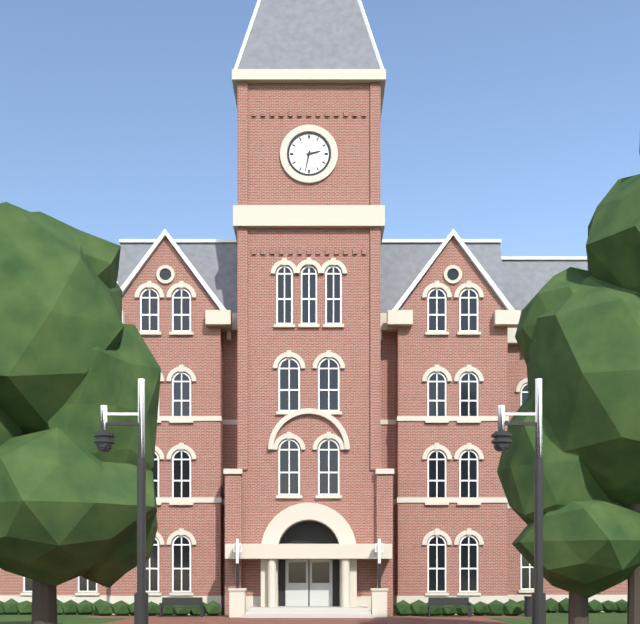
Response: **2:32**
